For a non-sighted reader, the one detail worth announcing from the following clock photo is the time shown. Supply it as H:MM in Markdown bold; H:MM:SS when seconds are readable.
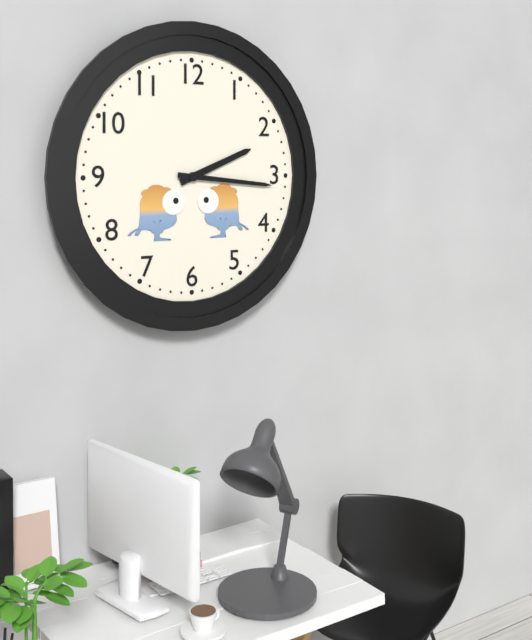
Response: **2:16**
